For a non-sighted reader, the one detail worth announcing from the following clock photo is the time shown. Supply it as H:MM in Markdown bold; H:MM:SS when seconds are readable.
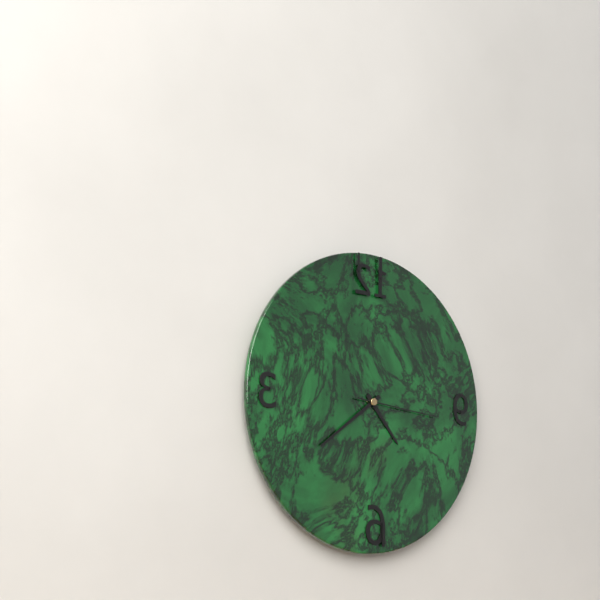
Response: **4:39:16**
